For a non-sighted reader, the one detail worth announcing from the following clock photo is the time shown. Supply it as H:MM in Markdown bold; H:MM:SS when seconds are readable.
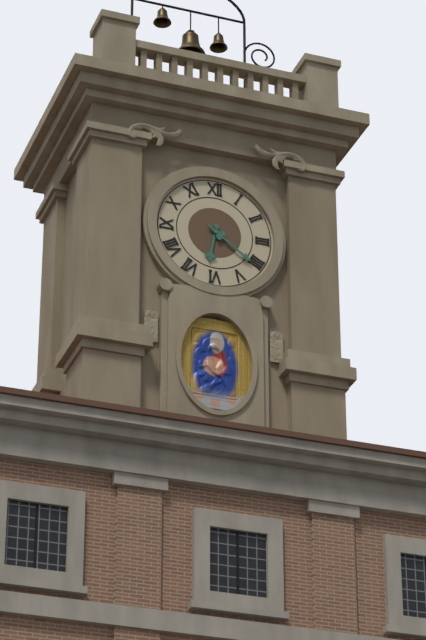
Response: **6:21**
